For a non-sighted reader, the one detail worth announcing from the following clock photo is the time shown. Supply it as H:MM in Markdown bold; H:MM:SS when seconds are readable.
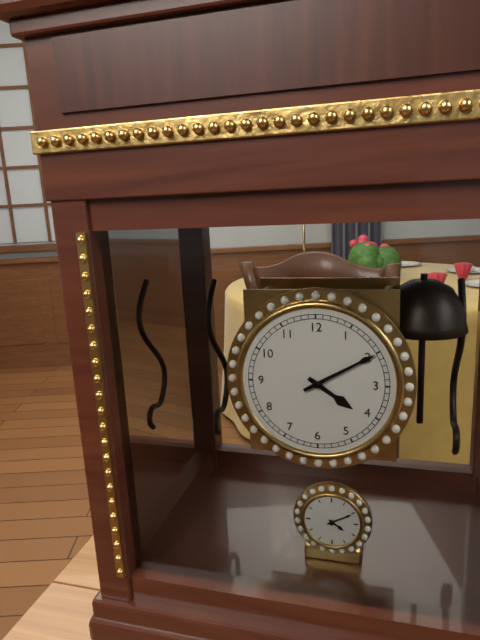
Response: **4:10**
